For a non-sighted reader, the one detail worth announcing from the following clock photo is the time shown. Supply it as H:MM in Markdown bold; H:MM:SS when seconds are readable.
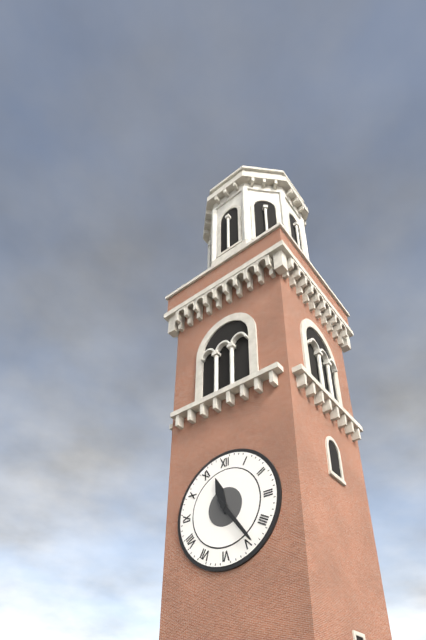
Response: **11:24**
